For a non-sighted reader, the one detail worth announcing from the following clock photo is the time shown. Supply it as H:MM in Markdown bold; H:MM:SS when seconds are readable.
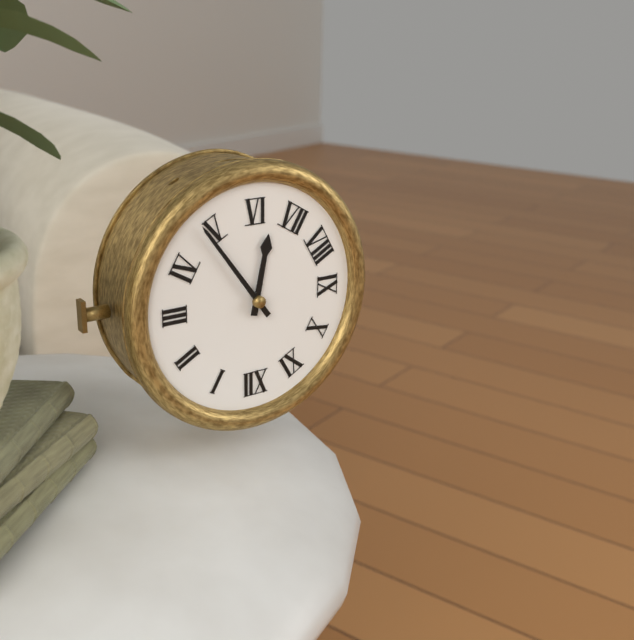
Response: **6:24**
